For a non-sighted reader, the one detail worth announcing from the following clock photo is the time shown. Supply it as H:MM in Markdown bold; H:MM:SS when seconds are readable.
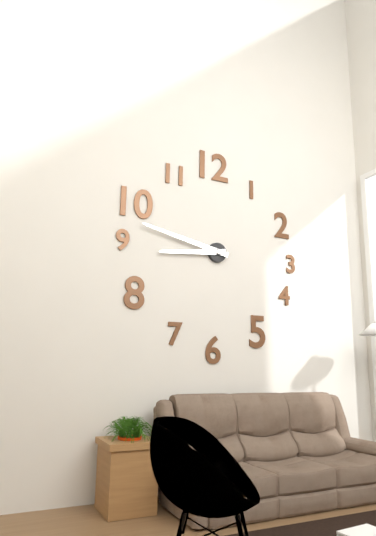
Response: **8:47**
